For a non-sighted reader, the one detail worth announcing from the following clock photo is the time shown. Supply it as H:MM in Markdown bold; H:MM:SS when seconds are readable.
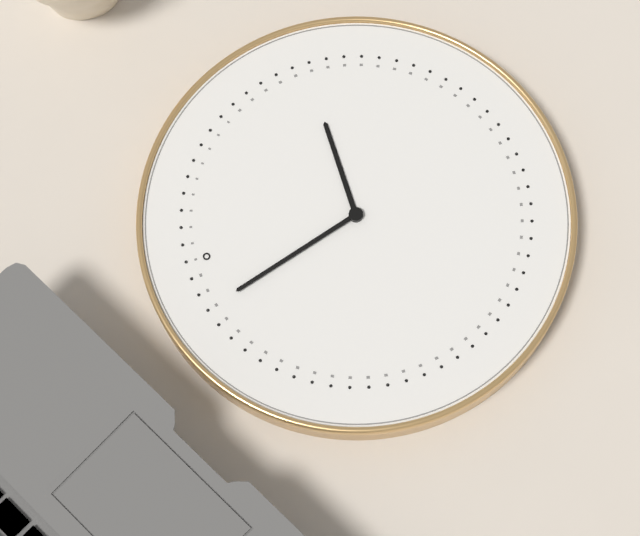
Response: **2:57**
